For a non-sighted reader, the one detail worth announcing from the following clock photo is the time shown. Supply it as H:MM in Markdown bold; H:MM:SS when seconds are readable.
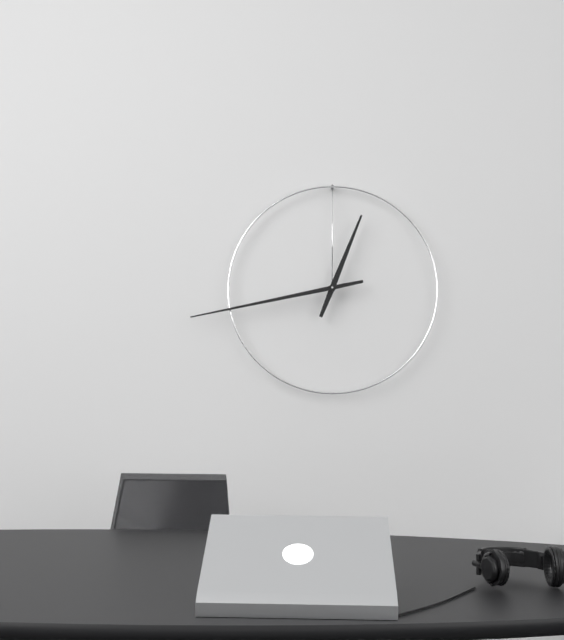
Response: **12:43**
